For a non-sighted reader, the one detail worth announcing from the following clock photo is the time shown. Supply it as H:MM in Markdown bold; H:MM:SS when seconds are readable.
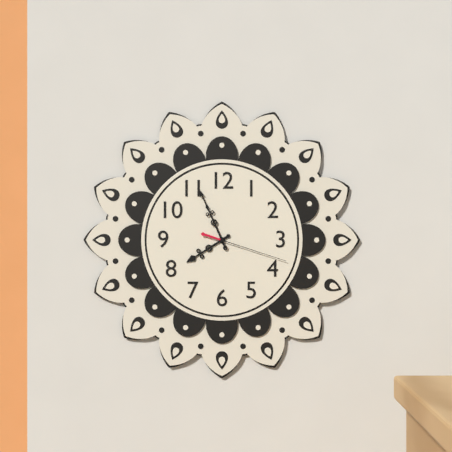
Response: **7:56:18**
